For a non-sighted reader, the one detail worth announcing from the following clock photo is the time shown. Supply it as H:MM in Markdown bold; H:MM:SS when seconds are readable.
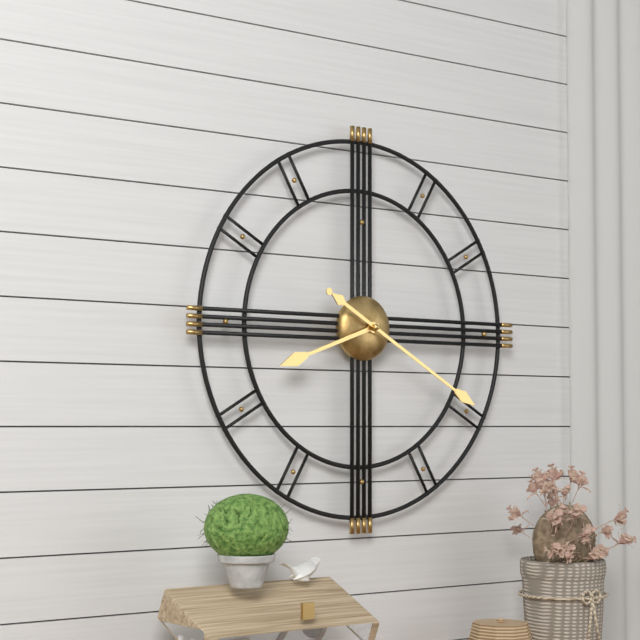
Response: **8:20**
